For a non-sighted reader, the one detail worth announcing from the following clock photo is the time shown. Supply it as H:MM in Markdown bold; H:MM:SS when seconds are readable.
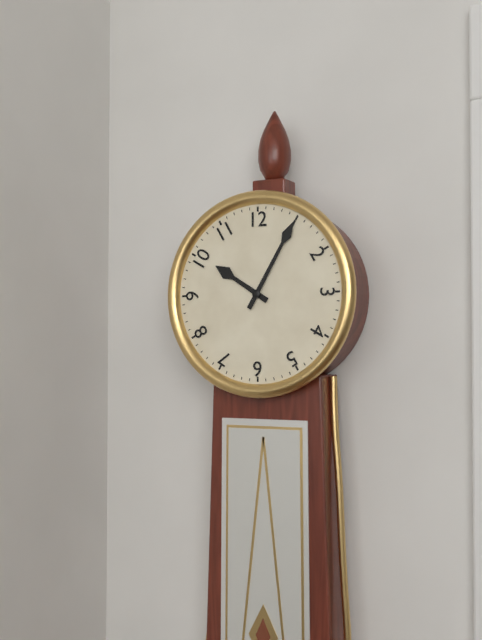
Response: **10:05**
